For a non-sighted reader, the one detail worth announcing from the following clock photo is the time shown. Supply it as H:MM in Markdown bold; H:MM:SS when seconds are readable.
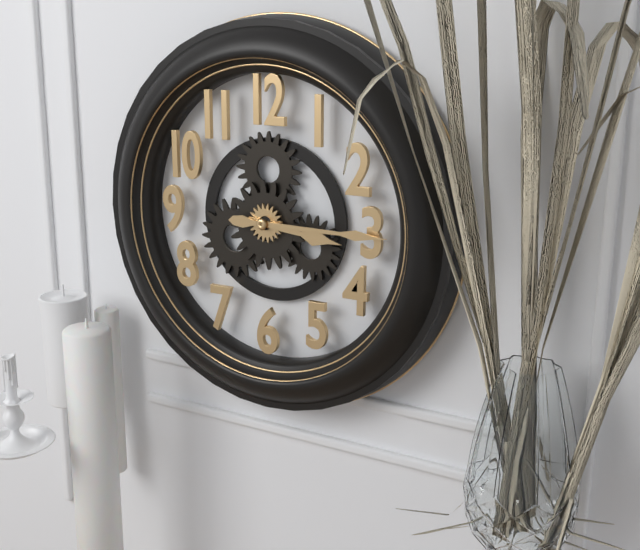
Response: **3:15**
